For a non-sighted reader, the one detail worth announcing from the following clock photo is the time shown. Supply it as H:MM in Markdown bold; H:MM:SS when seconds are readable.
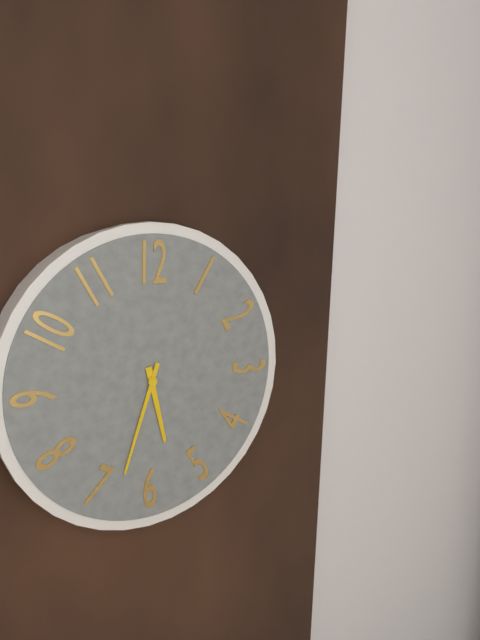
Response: **5:33**
